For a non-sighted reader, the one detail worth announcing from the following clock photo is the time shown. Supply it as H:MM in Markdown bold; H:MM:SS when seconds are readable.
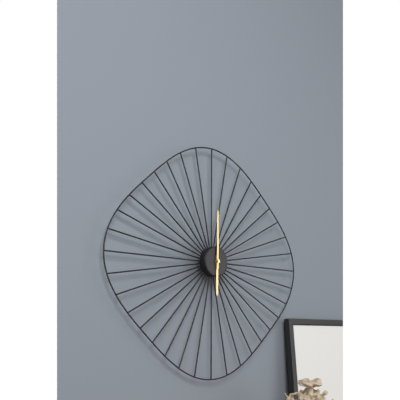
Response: **6:00**
